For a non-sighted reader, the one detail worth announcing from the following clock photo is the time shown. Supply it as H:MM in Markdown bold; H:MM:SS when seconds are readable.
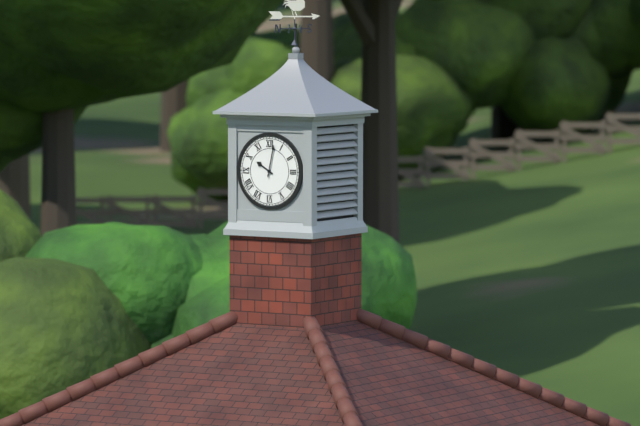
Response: **10:02**
